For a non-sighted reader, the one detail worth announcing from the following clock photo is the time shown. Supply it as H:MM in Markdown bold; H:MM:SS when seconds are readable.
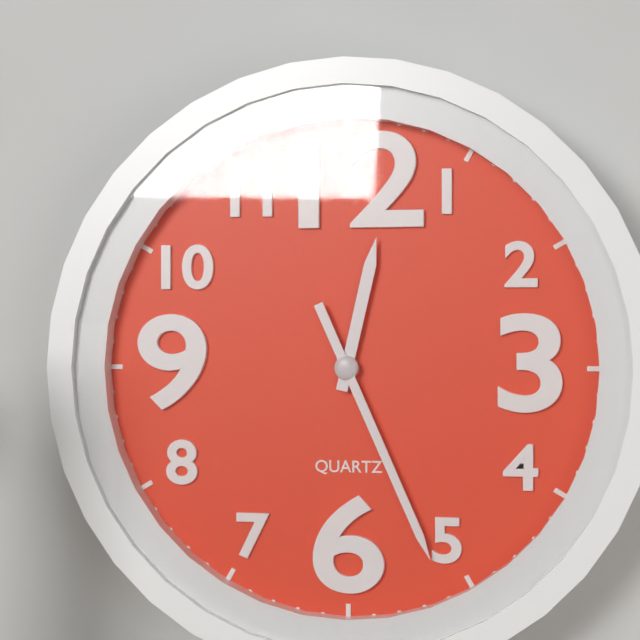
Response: **12:26**
